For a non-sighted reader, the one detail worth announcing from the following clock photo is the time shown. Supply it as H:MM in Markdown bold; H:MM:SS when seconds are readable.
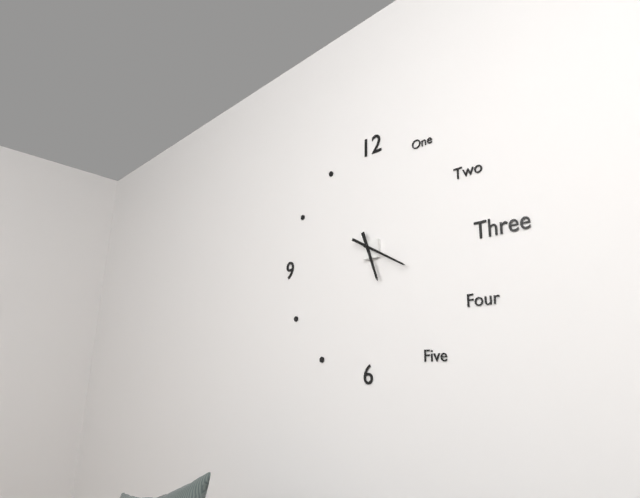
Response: **5:20**
